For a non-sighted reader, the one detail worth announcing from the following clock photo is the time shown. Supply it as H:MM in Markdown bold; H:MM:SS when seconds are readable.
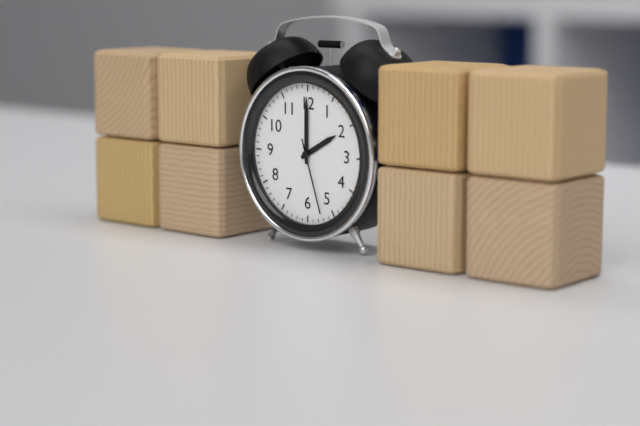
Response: **2:00:27**
